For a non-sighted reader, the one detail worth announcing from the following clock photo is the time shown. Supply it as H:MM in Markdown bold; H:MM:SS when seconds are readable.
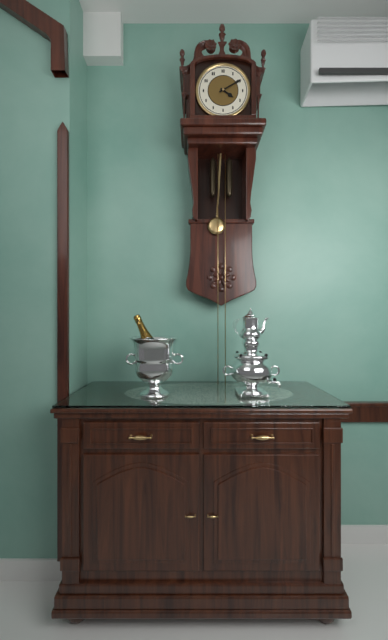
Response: **4:10**
